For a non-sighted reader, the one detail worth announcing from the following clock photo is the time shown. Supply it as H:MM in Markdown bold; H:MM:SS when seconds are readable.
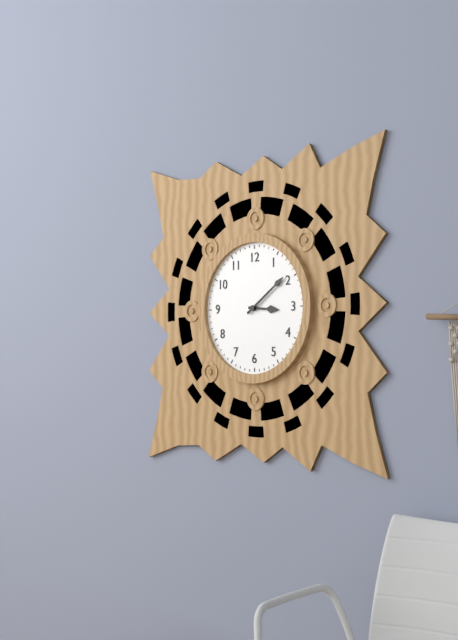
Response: **3:09**
